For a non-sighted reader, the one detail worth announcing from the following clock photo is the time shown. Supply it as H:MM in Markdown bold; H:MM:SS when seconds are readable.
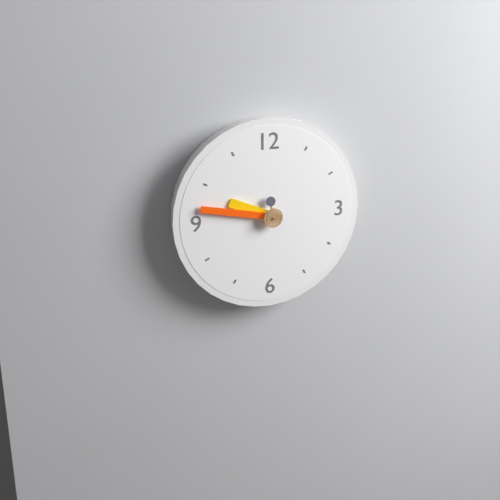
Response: **9:47**
